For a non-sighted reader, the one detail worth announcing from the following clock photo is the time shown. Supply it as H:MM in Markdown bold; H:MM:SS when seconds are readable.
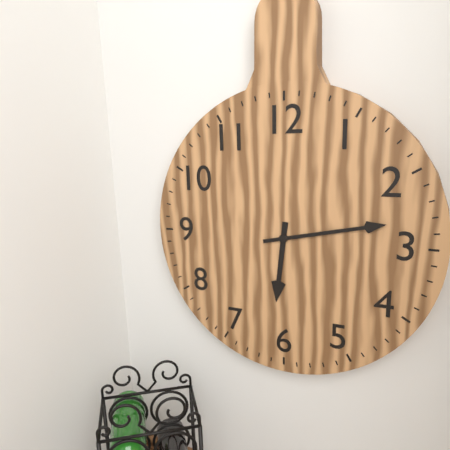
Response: **6:13**
